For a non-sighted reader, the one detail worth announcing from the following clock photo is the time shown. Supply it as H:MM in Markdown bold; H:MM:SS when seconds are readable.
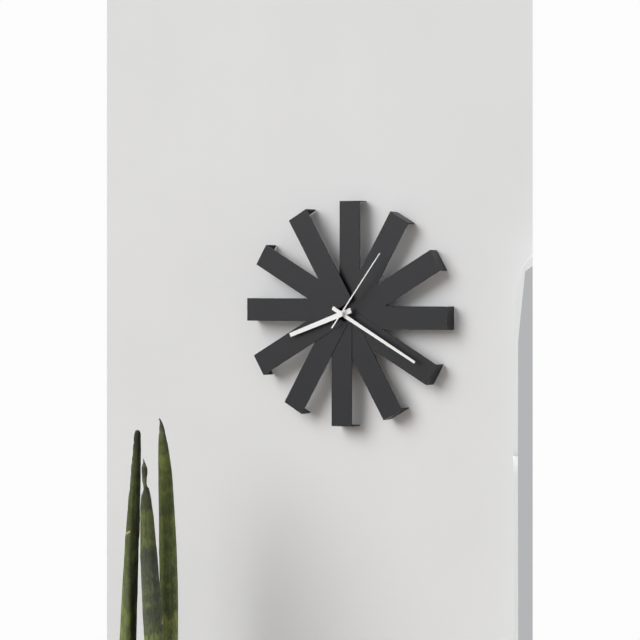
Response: **8:20:06**
